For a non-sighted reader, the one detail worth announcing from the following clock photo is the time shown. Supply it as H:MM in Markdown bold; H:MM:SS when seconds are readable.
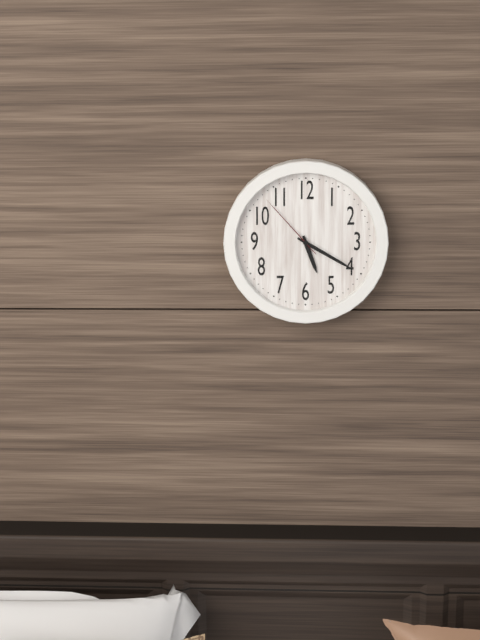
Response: **5:20:53**
